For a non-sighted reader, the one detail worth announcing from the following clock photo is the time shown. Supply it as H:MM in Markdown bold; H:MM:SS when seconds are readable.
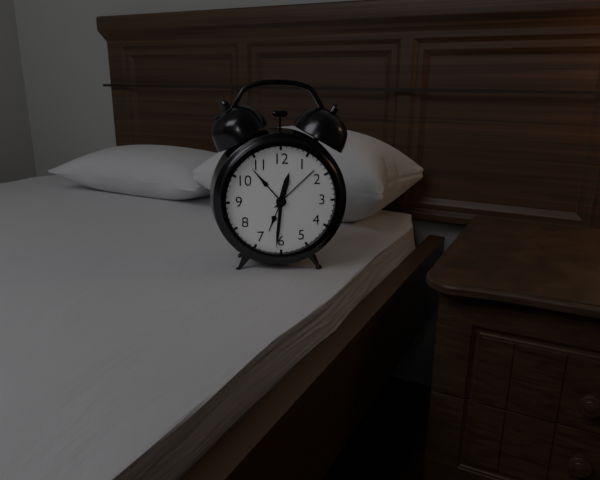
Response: **12:31**
